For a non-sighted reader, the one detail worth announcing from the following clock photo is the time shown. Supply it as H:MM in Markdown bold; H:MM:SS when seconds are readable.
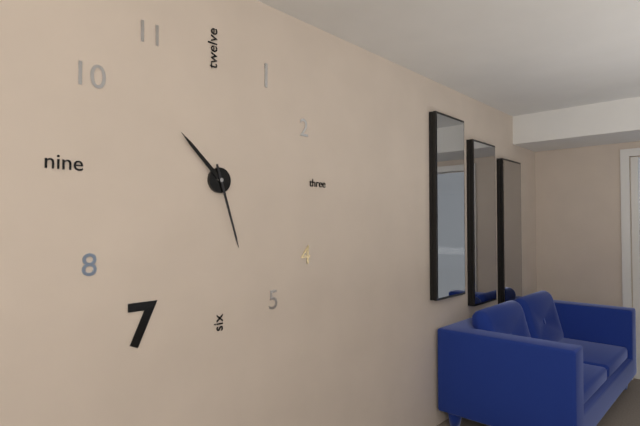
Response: **10:27**
